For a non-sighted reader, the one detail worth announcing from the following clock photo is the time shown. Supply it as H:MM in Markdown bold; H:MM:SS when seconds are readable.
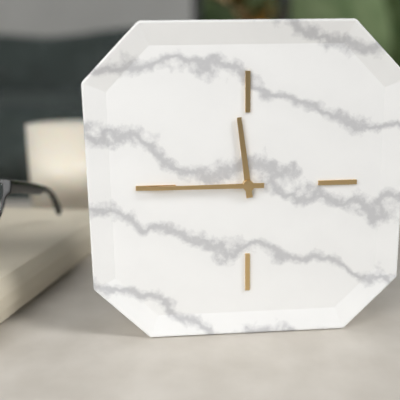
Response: **11:45**
